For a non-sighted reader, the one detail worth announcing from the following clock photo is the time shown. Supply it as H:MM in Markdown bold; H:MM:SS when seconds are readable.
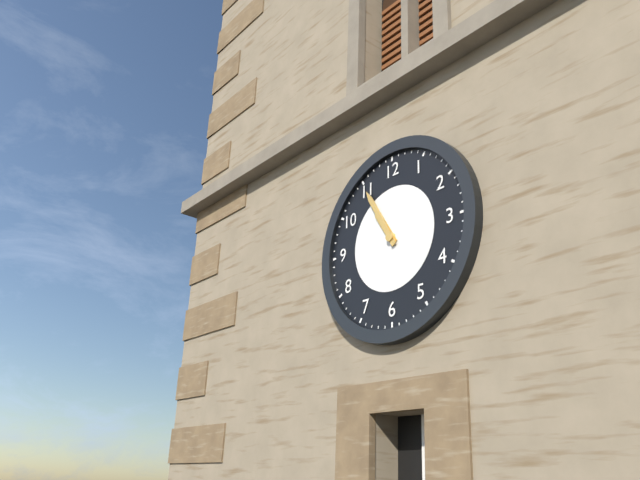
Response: **10:55**
